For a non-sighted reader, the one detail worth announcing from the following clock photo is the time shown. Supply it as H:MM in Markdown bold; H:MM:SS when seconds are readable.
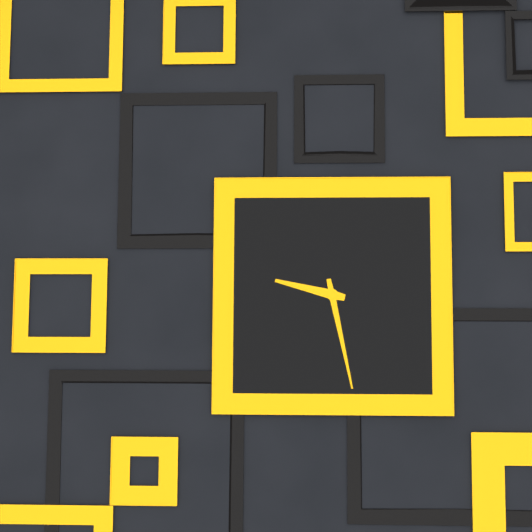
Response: **9:28**
